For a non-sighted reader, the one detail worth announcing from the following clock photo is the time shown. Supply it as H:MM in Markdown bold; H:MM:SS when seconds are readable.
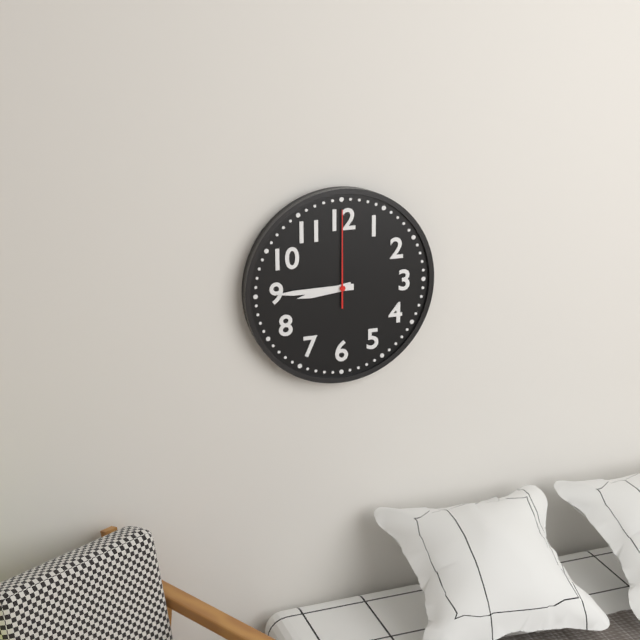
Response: **8:45:00**
